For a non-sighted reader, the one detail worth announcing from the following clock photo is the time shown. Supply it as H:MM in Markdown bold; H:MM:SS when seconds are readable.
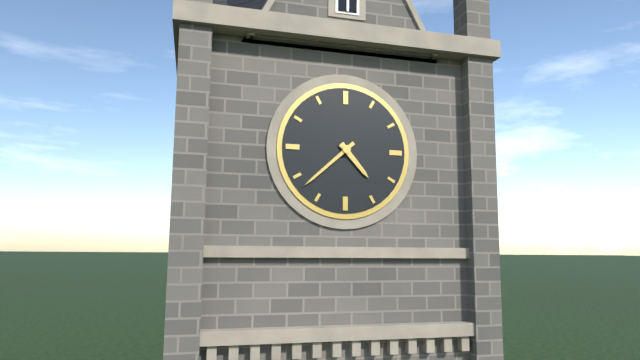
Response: **4:38**
